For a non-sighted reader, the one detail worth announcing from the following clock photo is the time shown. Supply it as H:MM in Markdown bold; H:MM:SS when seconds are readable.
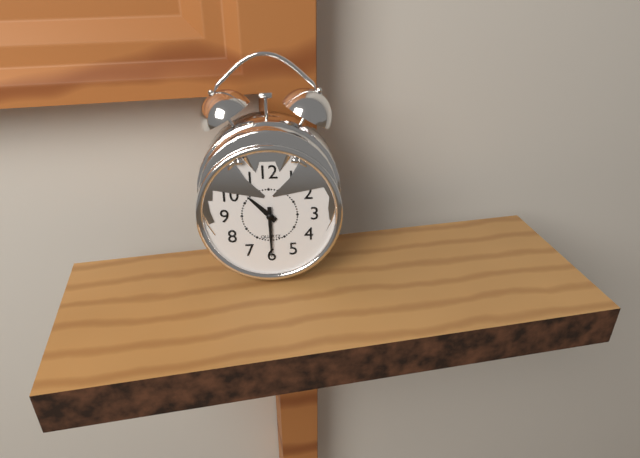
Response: **10:30**
